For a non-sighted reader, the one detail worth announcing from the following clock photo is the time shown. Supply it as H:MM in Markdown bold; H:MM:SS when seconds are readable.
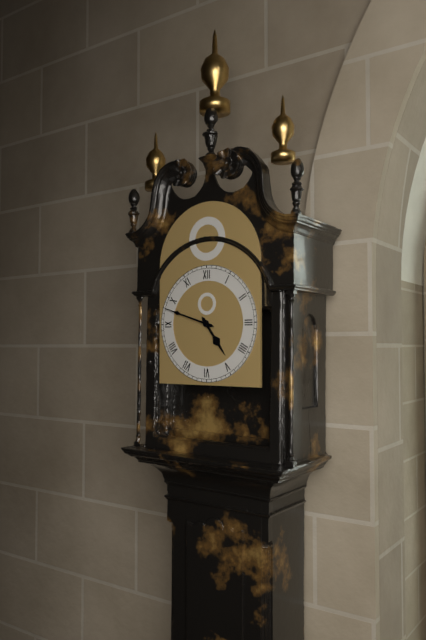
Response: **4:48**
